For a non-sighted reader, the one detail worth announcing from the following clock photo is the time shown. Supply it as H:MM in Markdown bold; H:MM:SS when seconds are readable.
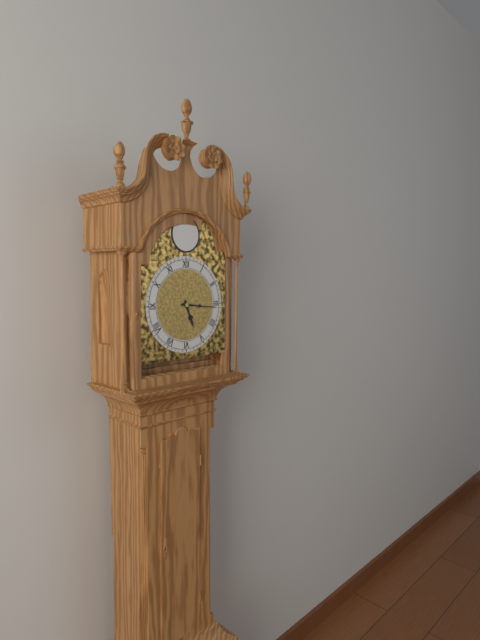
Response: **5:16**
